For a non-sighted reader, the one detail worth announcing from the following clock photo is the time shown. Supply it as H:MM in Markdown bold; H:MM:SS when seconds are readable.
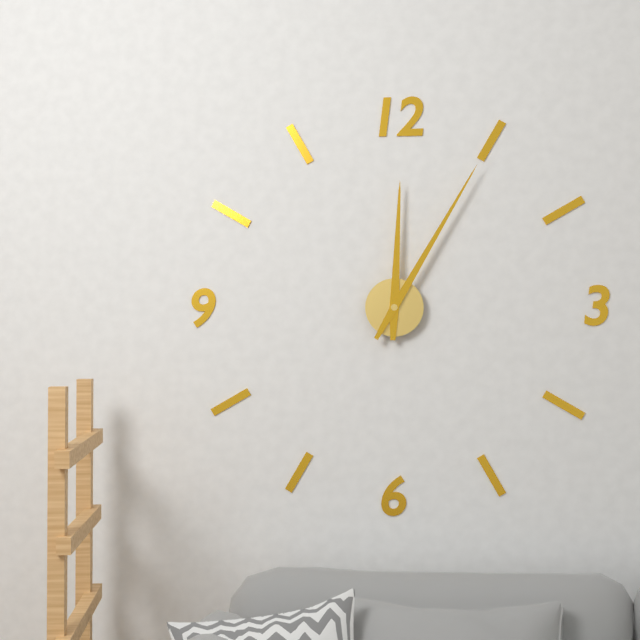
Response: **12:05**
